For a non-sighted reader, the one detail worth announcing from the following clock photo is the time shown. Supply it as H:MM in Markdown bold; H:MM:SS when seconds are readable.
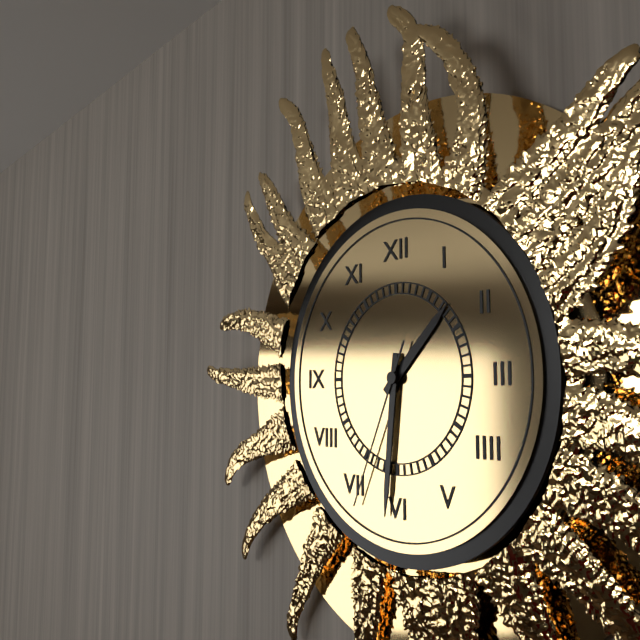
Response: **1:31:34**
